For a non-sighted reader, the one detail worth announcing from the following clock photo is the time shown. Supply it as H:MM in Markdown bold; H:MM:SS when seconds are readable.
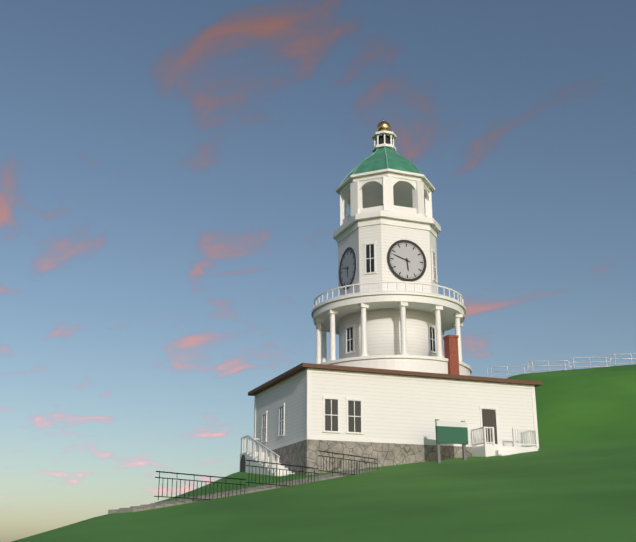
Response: **5:48**
